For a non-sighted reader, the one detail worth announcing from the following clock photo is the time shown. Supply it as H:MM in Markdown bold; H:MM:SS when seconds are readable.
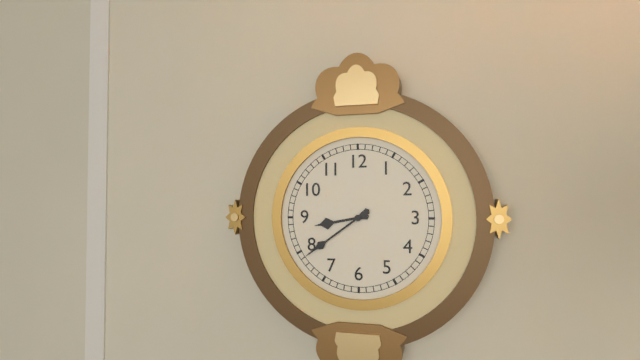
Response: **8:39**
